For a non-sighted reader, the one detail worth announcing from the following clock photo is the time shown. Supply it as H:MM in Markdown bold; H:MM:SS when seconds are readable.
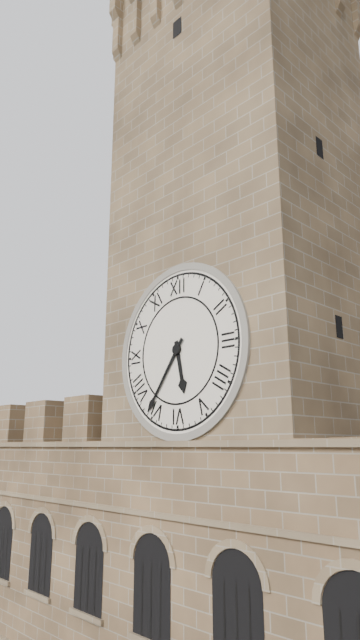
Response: **5:36**
